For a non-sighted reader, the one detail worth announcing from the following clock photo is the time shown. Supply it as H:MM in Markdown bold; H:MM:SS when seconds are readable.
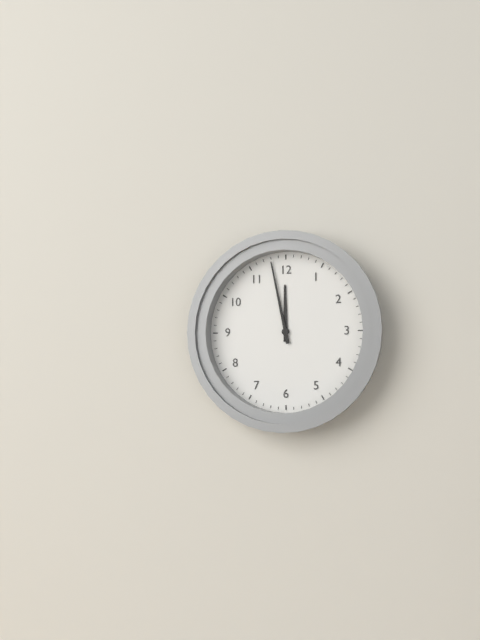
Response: **11:58**
